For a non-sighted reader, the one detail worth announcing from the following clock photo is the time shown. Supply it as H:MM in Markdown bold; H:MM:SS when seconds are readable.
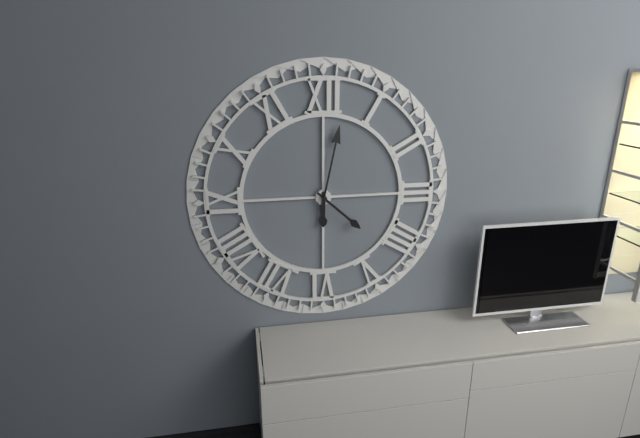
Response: **6:02:22**
